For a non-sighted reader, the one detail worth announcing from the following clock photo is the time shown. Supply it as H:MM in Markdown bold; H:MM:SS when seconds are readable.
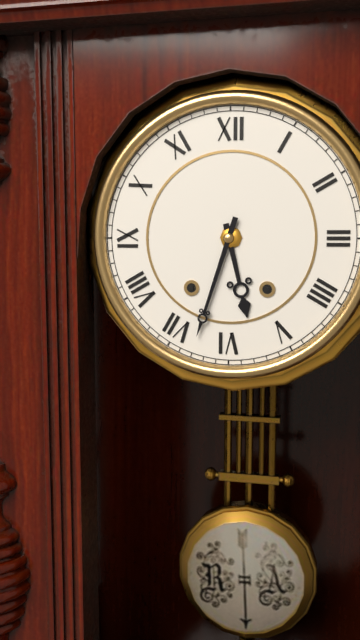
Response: **5:33**
